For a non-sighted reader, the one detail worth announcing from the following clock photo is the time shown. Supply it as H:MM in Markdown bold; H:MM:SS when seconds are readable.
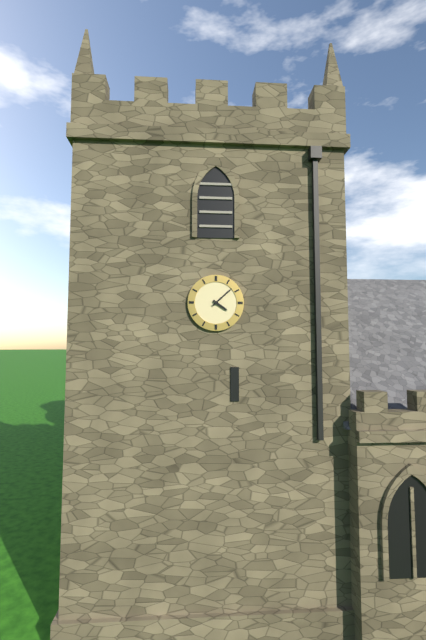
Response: **4:08**
